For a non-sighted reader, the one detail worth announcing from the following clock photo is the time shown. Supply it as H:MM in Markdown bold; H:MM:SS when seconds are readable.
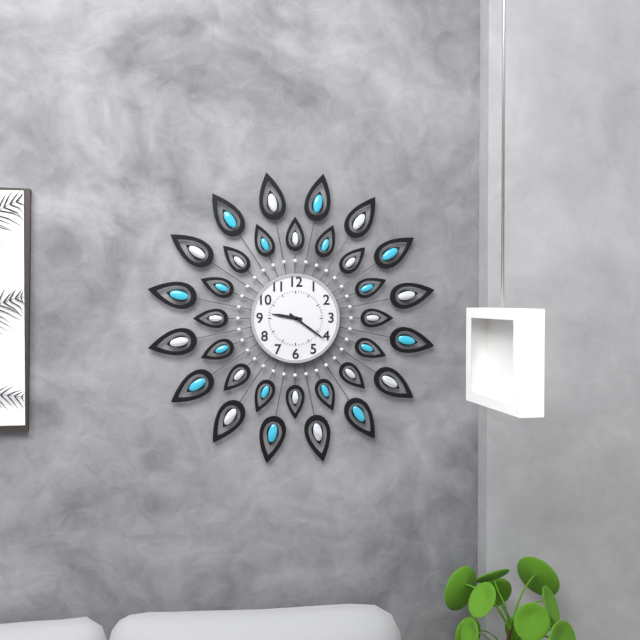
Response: **9:21**
